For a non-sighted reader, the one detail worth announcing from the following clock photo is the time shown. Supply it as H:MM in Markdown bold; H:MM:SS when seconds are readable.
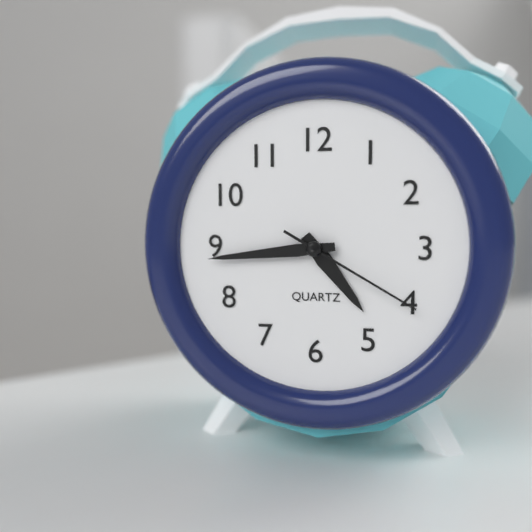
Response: **4:44:20**
